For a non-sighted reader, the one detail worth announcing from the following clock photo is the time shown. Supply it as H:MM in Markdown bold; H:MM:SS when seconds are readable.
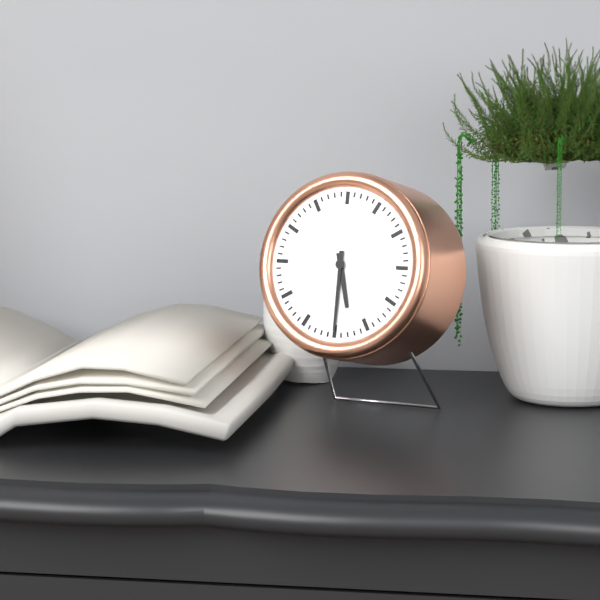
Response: **5:30**
